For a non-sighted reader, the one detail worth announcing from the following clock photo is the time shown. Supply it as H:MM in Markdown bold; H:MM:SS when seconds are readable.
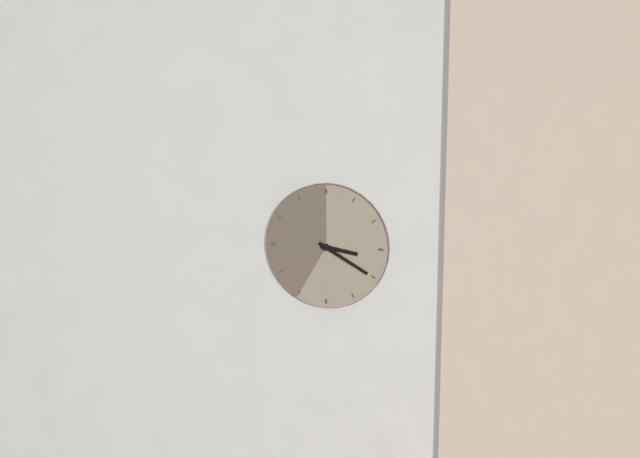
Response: **3:20**
